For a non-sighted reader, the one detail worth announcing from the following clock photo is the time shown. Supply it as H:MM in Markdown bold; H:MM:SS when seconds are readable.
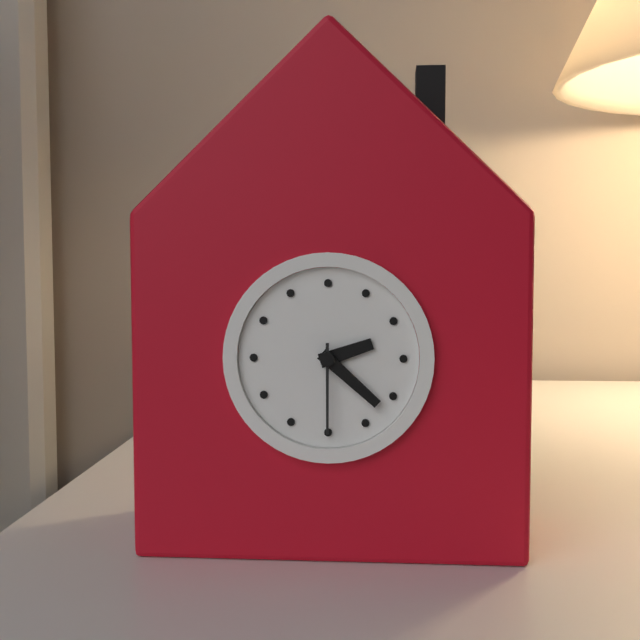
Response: **2:22:30**
